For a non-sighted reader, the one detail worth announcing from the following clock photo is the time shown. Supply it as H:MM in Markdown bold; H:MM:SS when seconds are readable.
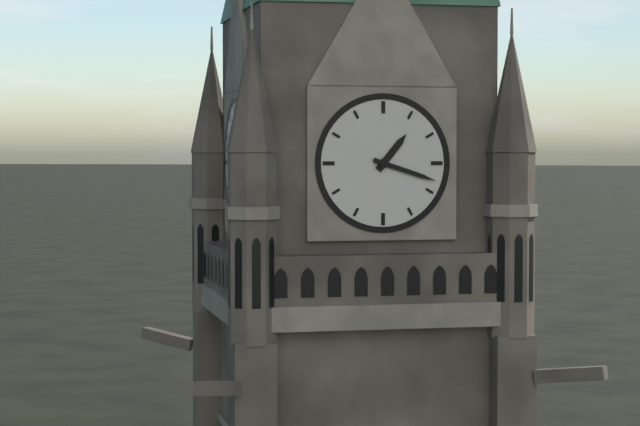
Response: **1:18**
